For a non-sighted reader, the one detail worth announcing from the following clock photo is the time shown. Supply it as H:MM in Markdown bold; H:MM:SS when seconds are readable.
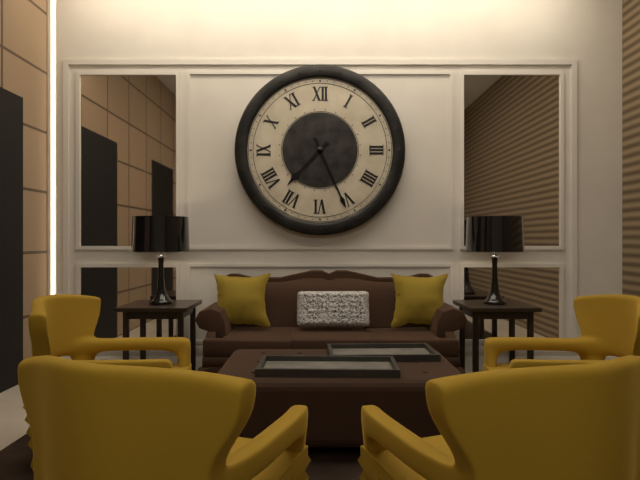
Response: **7:26**
